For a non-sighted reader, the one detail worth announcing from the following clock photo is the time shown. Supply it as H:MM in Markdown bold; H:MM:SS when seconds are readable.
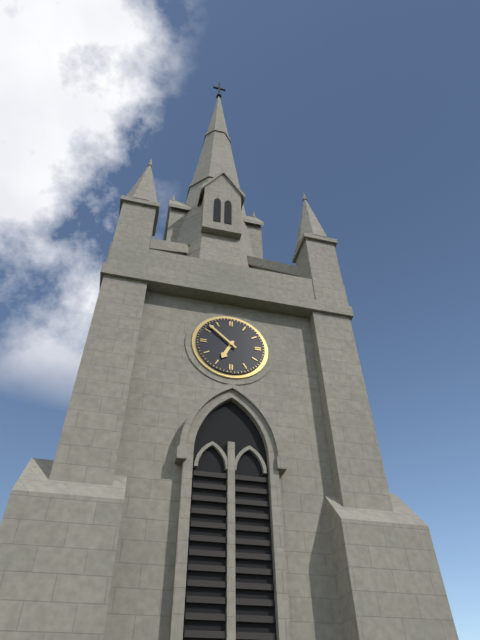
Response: **6:52**
